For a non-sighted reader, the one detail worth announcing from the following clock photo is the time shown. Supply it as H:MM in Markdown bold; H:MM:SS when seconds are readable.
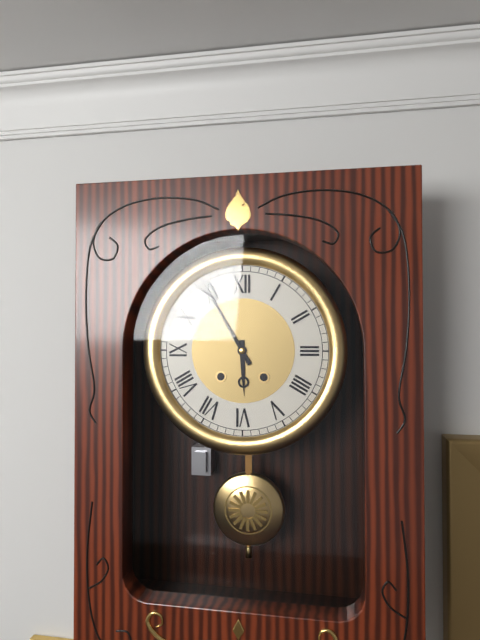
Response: **5:55**
